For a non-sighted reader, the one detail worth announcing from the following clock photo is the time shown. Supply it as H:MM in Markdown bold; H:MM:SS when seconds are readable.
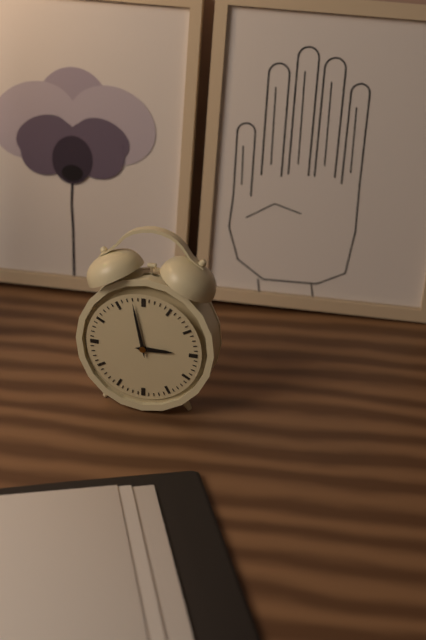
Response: **2:58**
